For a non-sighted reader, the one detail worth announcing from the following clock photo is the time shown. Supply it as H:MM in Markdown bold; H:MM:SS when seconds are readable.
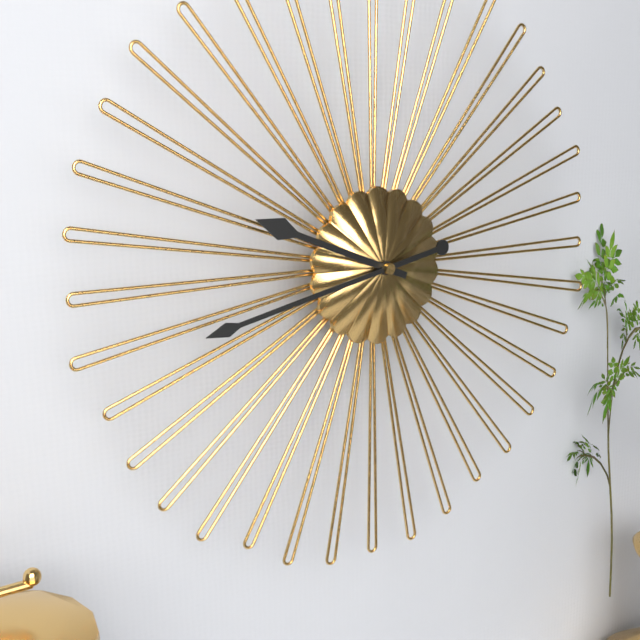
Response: **9:43**
